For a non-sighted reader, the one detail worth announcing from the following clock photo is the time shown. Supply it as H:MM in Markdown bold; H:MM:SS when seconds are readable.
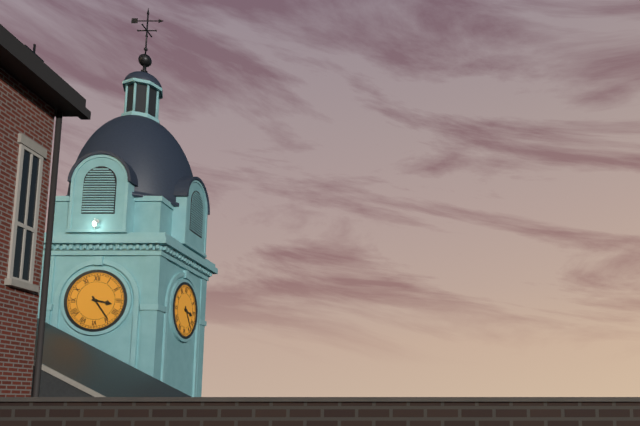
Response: **3:24**
